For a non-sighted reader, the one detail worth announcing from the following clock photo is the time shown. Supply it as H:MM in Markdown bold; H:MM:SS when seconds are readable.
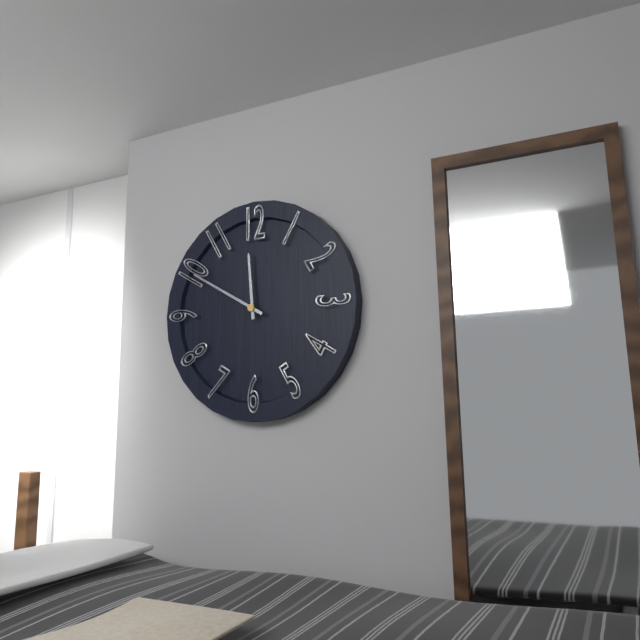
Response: **11:50**
